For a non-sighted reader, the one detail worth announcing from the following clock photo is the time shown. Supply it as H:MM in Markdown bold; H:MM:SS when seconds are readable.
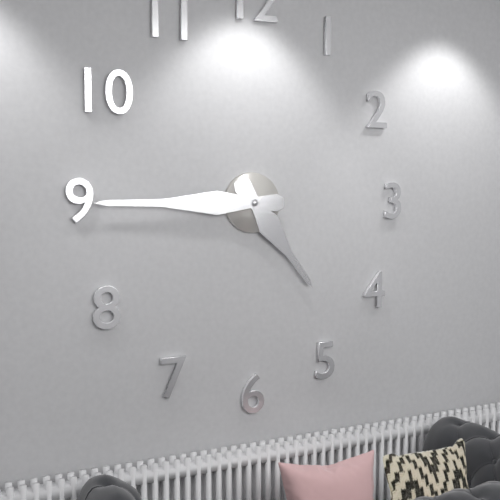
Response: **4:45**
